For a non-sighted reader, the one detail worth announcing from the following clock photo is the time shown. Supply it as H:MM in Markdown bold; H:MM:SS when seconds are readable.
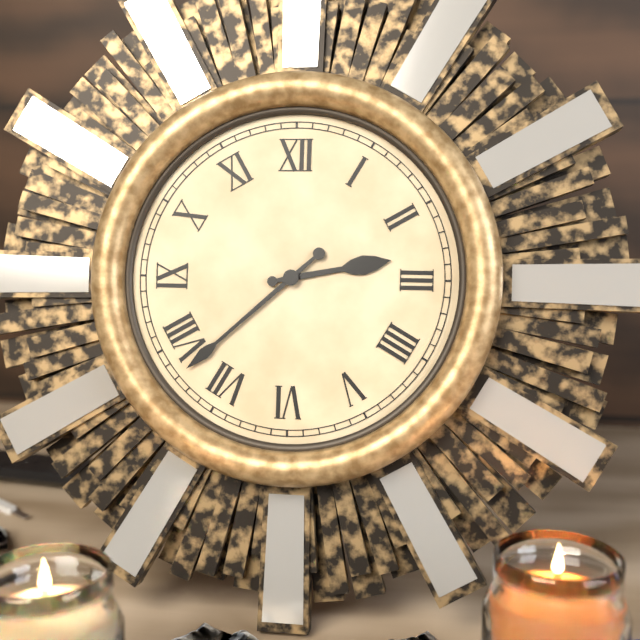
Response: **2:38**
